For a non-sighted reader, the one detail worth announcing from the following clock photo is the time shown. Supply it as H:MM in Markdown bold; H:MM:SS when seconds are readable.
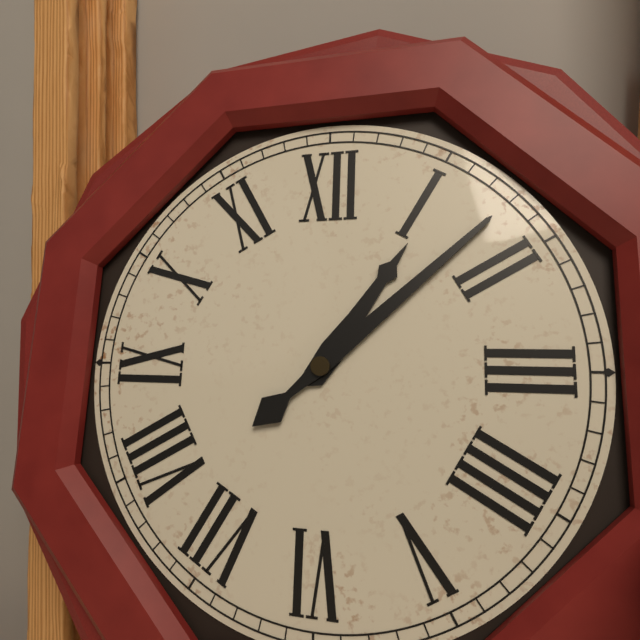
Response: **1:08**
